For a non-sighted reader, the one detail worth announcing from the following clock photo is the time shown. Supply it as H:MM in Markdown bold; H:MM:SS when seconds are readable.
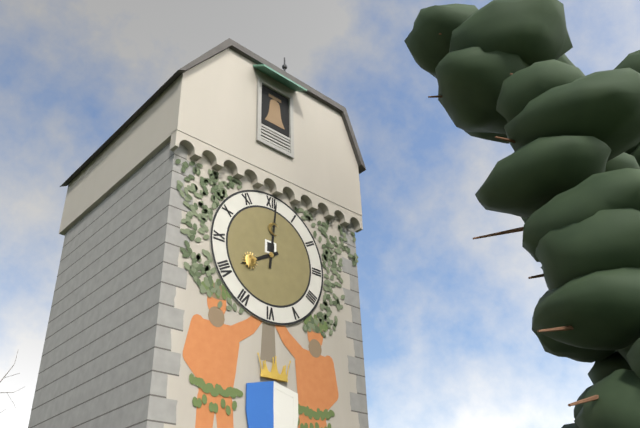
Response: **8:01**
